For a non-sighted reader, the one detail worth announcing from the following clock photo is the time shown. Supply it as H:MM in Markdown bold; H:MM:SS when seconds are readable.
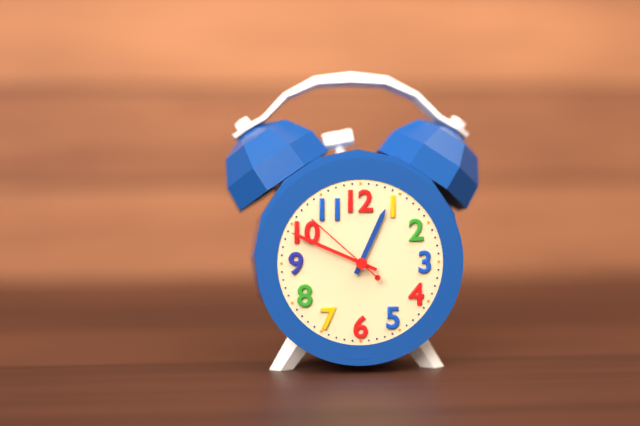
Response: **12:49:52**
